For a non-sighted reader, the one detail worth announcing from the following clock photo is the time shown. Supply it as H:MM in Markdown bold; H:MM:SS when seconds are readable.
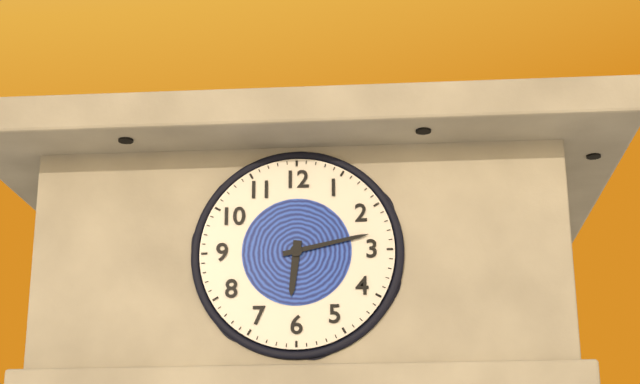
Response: **6:13**
